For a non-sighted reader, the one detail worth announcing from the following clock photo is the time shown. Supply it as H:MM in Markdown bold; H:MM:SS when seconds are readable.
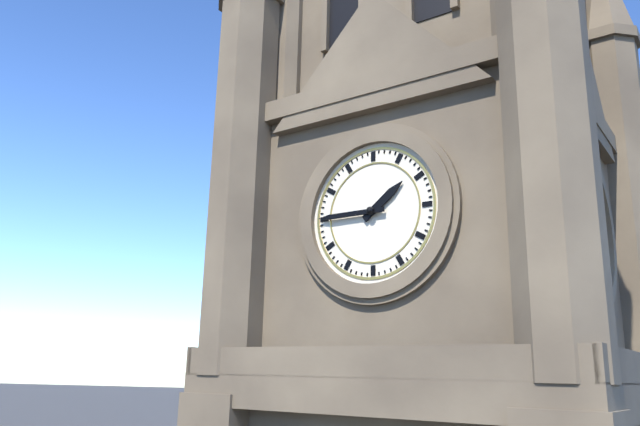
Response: **1:45**
